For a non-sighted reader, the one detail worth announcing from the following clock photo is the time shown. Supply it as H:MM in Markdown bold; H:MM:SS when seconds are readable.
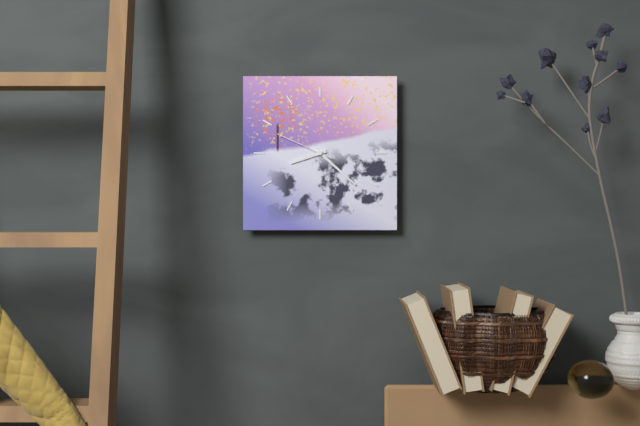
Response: **8:22:49**
